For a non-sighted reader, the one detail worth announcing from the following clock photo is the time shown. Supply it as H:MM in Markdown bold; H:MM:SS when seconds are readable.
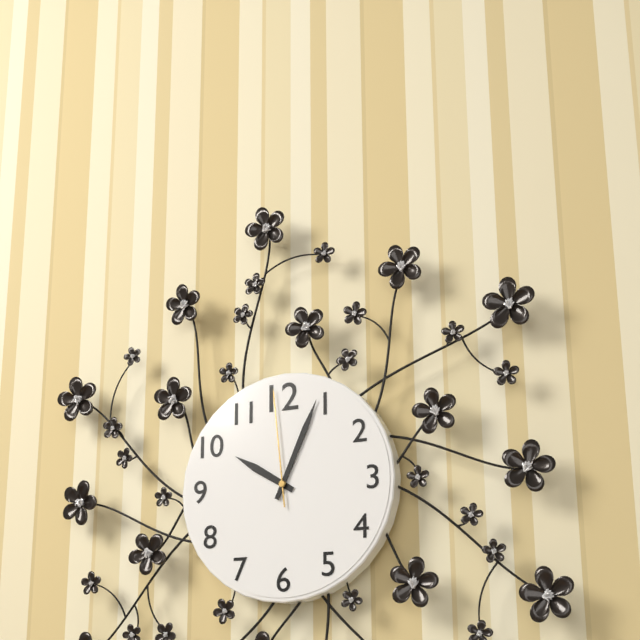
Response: **10:04:59**
